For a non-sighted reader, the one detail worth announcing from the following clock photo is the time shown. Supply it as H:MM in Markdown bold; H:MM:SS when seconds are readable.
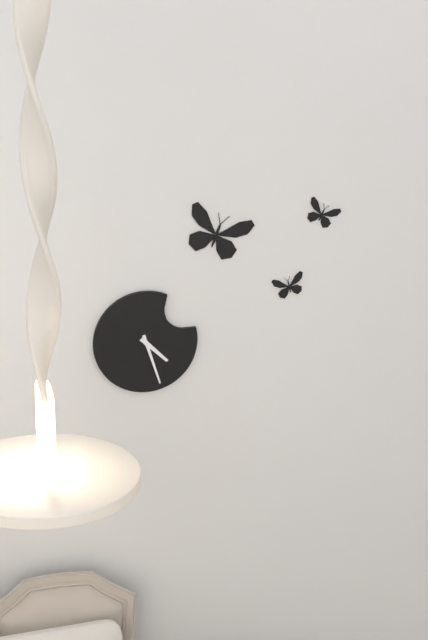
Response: **4:27**
